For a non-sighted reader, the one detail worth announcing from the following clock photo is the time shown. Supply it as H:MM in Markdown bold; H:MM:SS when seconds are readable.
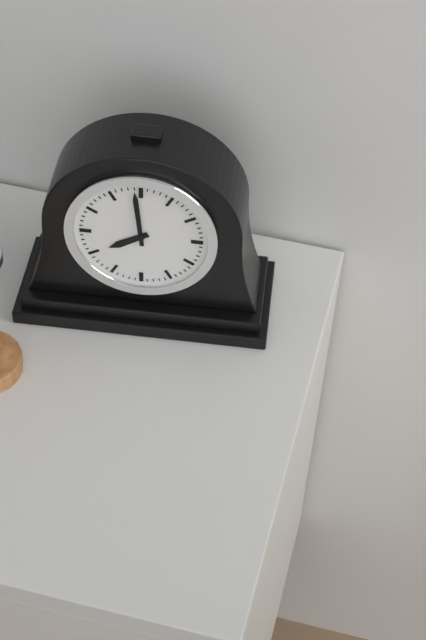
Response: **7:59**
